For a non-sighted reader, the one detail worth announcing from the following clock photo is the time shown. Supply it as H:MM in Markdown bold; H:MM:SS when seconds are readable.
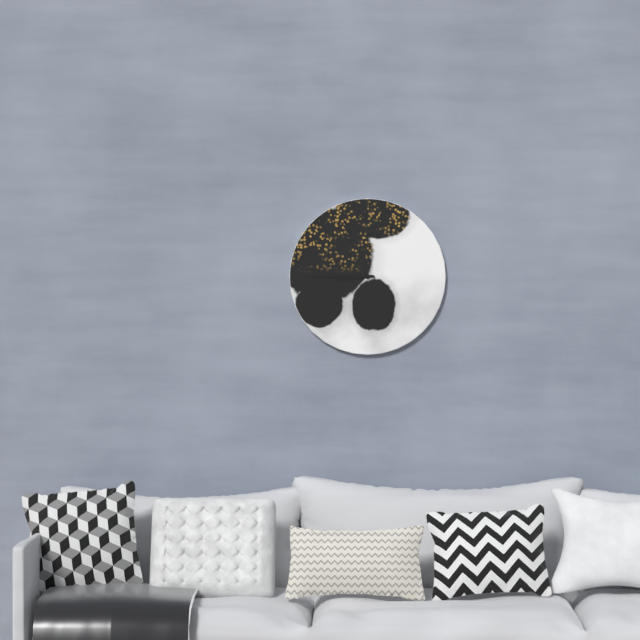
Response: **8:45**
